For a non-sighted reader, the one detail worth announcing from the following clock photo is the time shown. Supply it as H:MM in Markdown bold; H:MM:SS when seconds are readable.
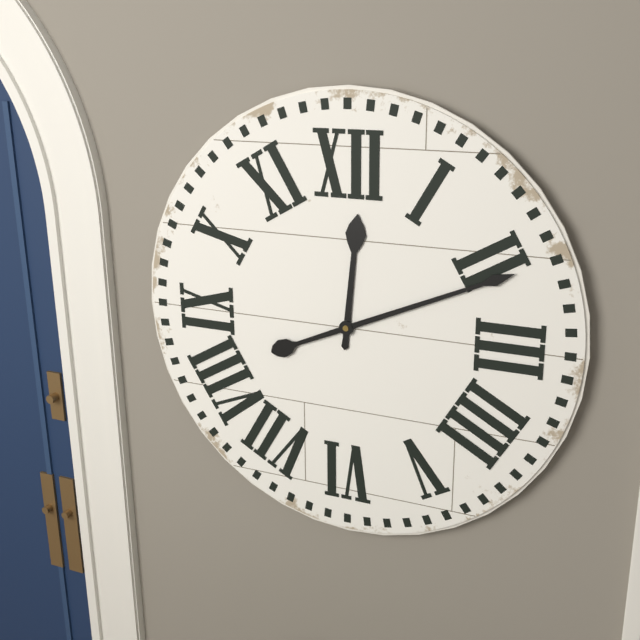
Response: **12:11**
